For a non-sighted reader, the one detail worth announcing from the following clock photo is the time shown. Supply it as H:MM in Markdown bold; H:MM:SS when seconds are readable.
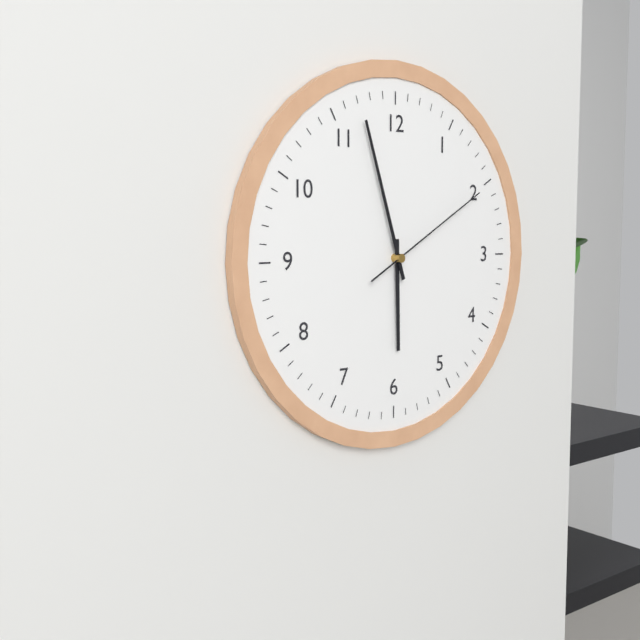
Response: **5:57:10**
